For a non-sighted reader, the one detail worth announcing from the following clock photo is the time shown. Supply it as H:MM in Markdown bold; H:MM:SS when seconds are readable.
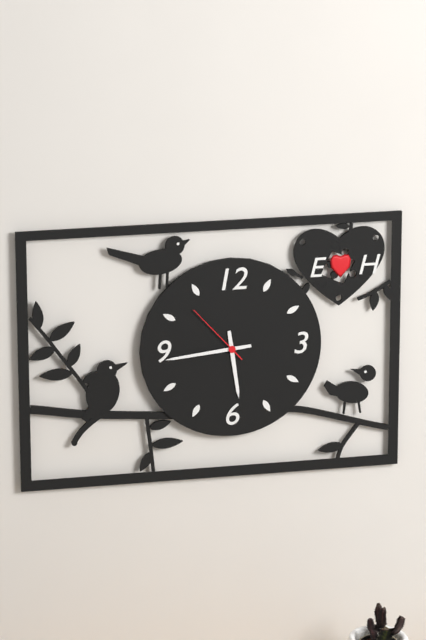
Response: **5:44:53**
